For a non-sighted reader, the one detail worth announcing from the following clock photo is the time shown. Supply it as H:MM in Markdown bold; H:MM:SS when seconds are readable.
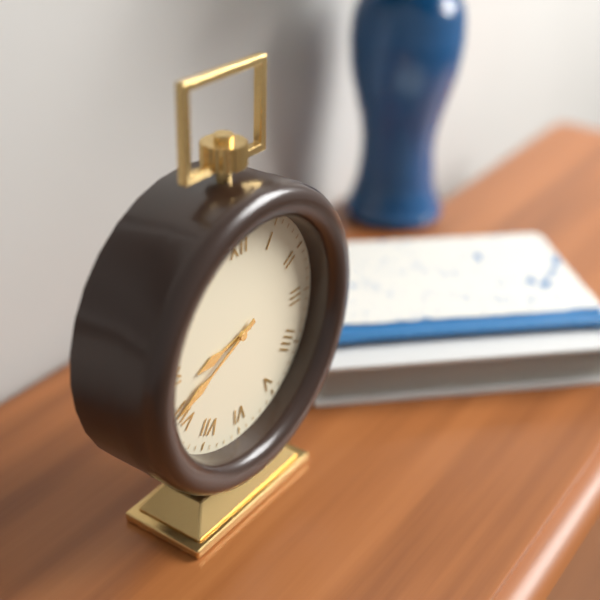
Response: **8:41**
